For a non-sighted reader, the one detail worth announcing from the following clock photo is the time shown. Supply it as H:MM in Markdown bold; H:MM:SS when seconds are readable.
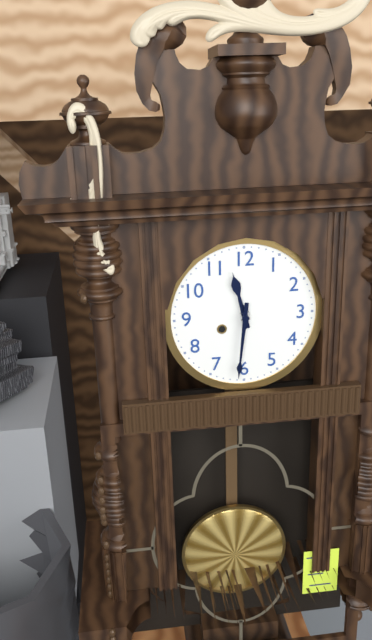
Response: **11:31**
